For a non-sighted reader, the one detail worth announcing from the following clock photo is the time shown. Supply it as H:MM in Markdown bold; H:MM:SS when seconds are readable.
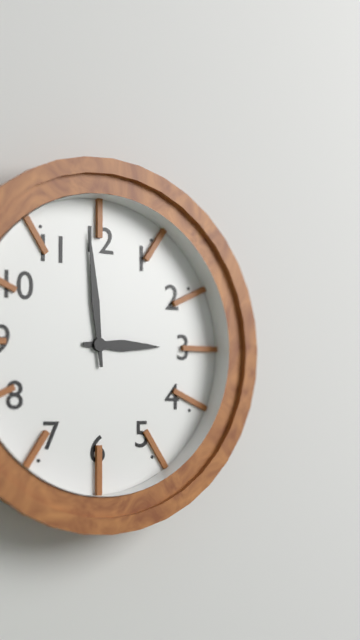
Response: **2:59**
